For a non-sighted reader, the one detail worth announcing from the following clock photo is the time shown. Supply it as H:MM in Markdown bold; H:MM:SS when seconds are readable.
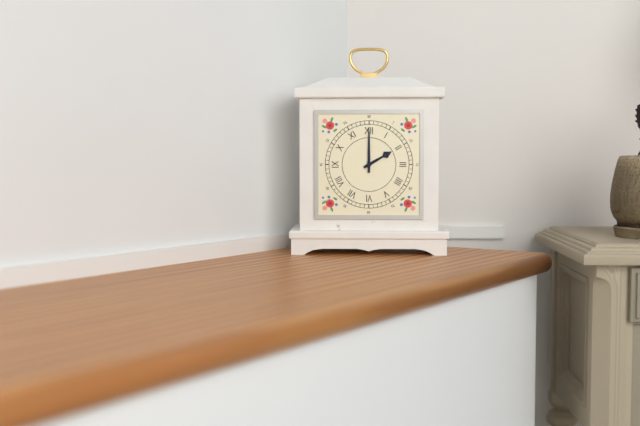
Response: **2:00**
